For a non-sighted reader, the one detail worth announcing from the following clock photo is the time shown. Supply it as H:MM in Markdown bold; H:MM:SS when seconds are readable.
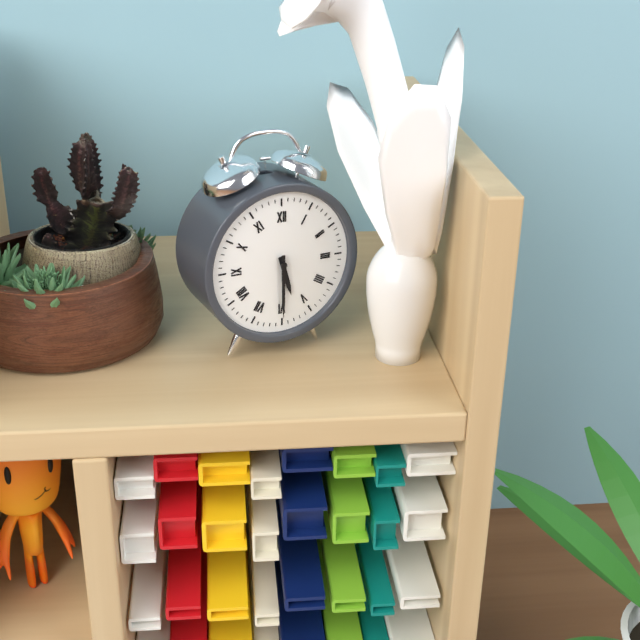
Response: **5:30**
